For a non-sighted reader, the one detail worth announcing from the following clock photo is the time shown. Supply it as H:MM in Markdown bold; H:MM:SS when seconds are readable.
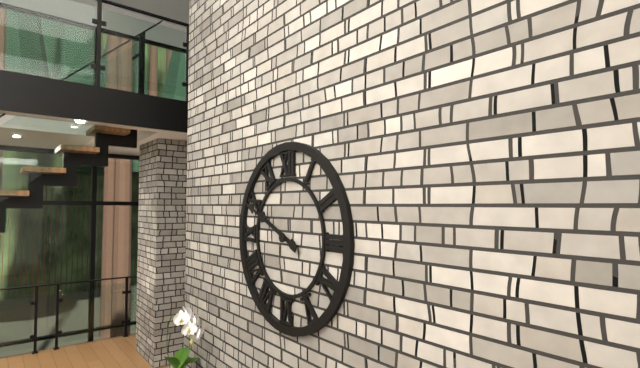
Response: **9:49**
